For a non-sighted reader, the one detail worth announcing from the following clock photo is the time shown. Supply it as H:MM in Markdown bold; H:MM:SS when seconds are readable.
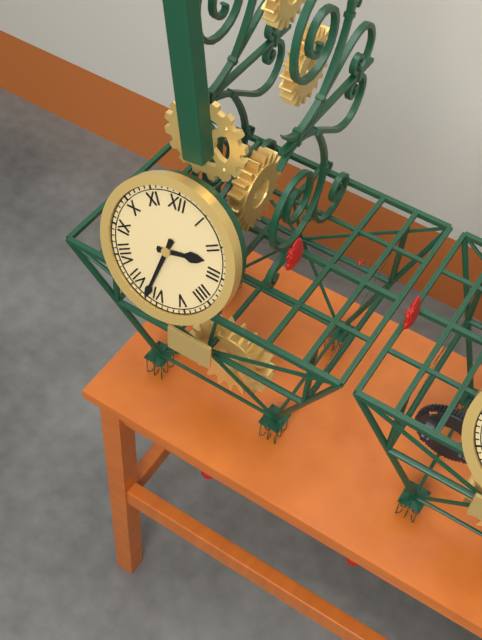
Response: **2:32**
